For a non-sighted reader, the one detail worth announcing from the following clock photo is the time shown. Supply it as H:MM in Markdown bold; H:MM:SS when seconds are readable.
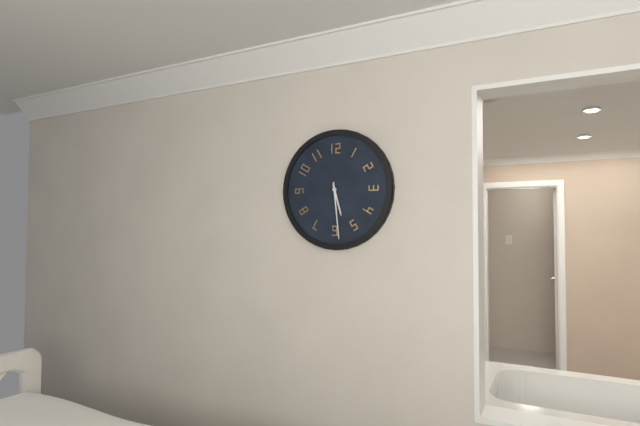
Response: **5:29**
